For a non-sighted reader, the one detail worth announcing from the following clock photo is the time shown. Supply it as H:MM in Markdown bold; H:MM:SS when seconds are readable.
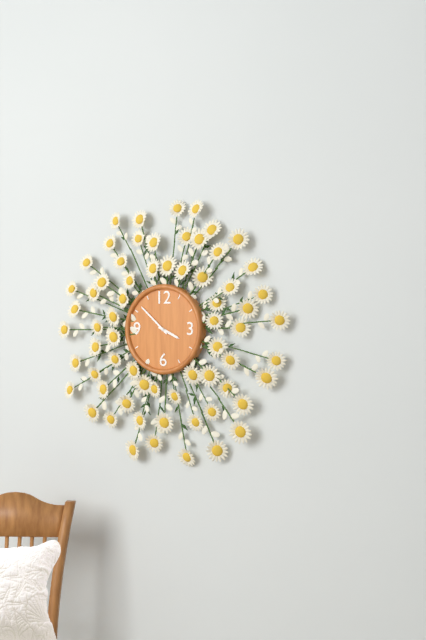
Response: **3:52**
